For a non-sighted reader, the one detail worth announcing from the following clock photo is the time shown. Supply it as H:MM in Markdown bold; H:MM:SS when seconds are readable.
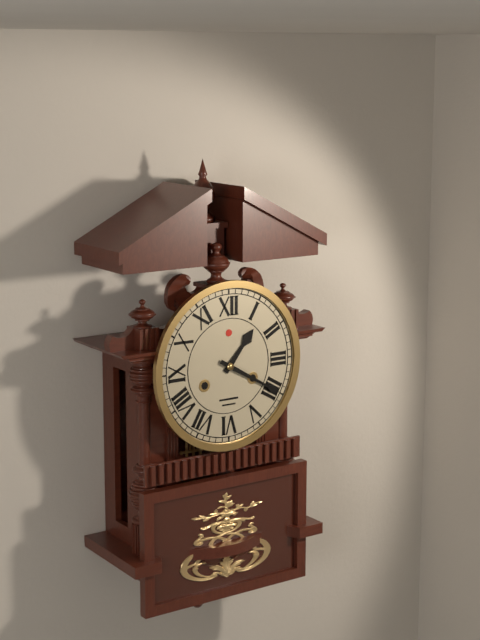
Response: **1:20**
